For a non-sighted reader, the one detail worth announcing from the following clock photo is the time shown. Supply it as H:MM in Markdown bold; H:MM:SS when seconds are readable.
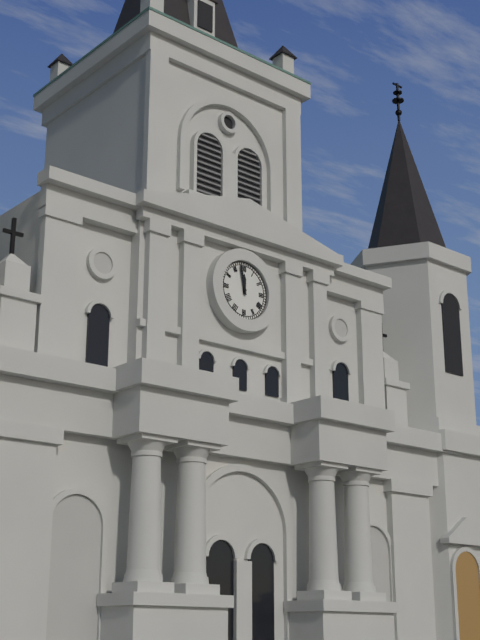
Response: **11:58**
